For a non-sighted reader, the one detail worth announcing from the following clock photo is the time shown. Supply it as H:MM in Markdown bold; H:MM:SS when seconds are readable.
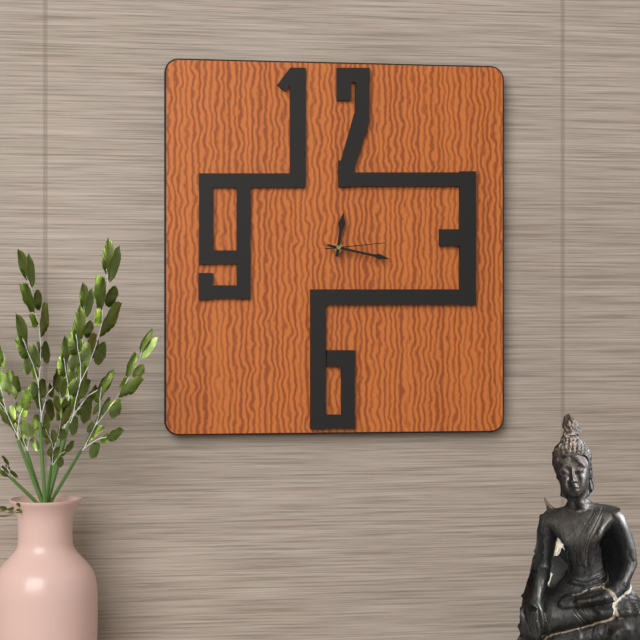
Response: **12:17:14**
